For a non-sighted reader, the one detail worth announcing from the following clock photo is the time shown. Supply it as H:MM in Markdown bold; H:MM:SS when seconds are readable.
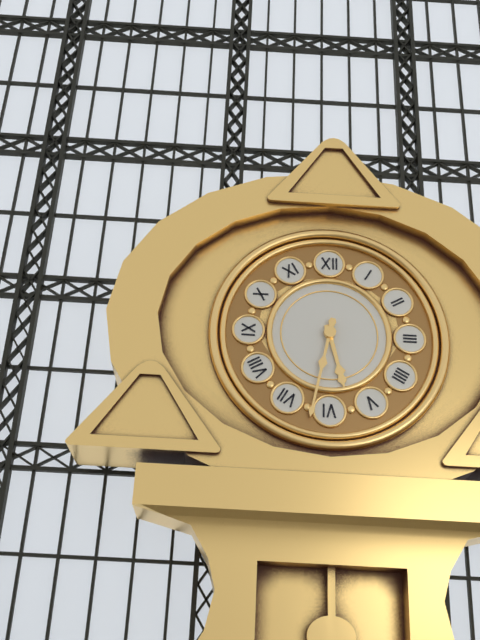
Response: **5:32**
